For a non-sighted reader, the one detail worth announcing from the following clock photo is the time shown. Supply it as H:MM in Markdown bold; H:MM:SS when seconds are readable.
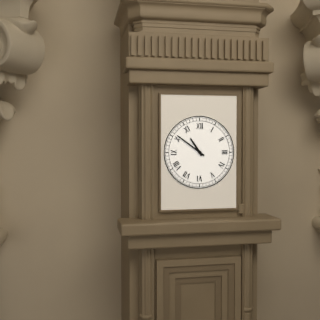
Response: **10:51**
